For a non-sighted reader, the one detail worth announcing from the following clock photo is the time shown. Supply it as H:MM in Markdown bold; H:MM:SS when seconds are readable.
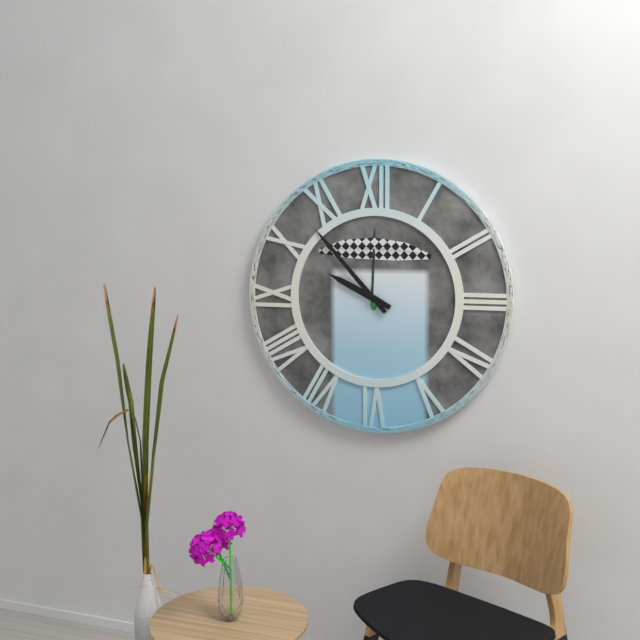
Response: **9:53**
